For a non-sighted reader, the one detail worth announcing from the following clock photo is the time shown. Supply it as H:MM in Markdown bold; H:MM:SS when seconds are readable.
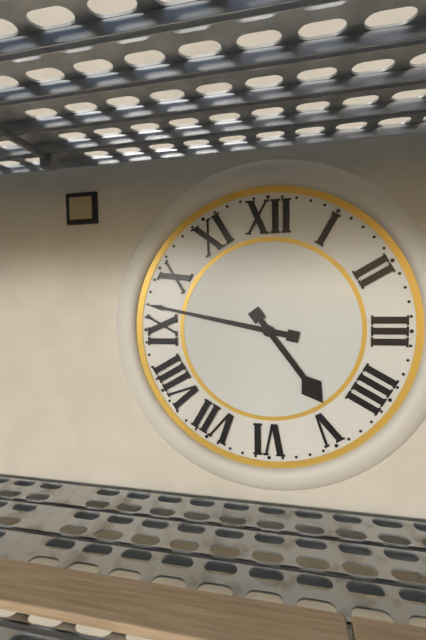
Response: **4:47**
